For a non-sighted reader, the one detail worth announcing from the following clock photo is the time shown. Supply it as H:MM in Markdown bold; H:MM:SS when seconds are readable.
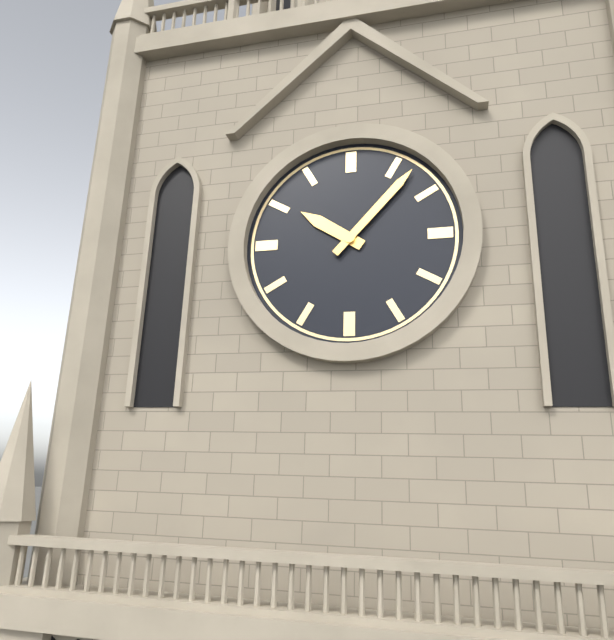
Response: **10:07**
